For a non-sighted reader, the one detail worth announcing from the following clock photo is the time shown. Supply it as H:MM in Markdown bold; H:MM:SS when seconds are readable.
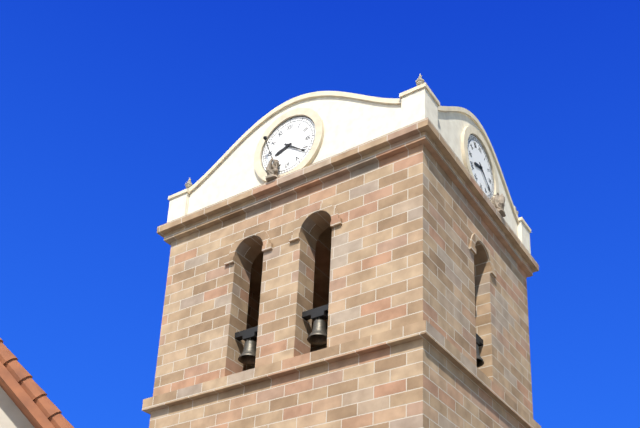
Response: **8:21**
